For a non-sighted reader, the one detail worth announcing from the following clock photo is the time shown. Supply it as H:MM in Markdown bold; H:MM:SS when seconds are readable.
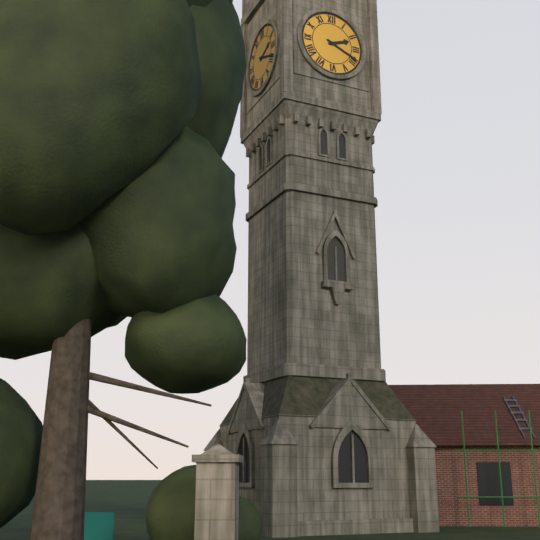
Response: **2:19**
